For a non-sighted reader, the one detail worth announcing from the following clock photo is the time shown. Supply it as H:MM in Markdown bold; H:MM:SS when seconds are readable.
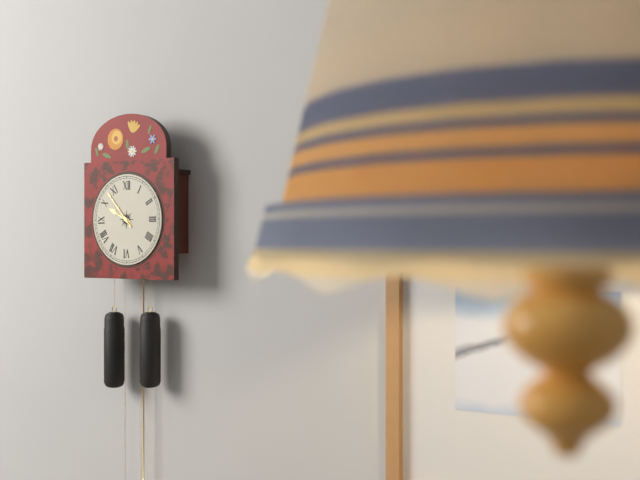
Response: **9:53**
